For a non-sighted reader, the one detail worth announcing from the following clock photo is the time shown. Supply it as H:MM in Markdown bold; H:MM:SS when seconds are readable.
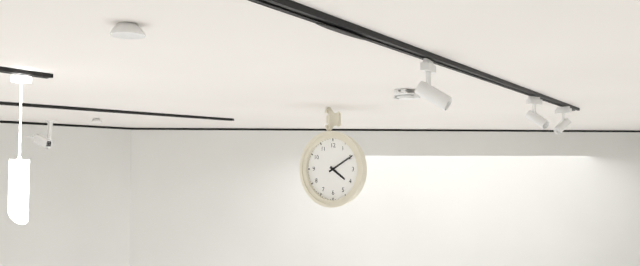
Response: **4:10**
